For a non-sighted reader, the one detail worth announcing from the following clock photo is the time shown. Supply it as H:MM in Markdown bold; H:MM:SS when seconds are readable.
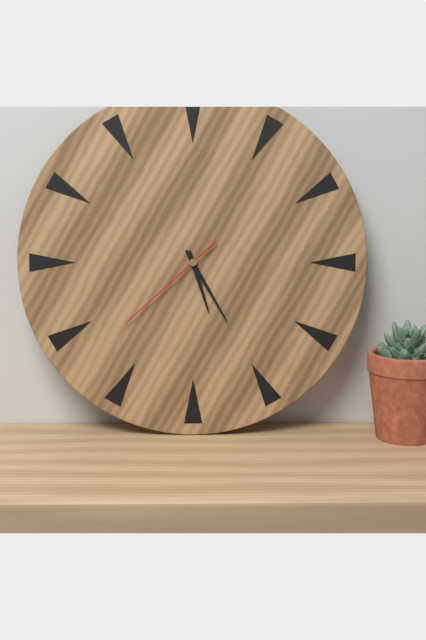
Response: **5:25:38**
